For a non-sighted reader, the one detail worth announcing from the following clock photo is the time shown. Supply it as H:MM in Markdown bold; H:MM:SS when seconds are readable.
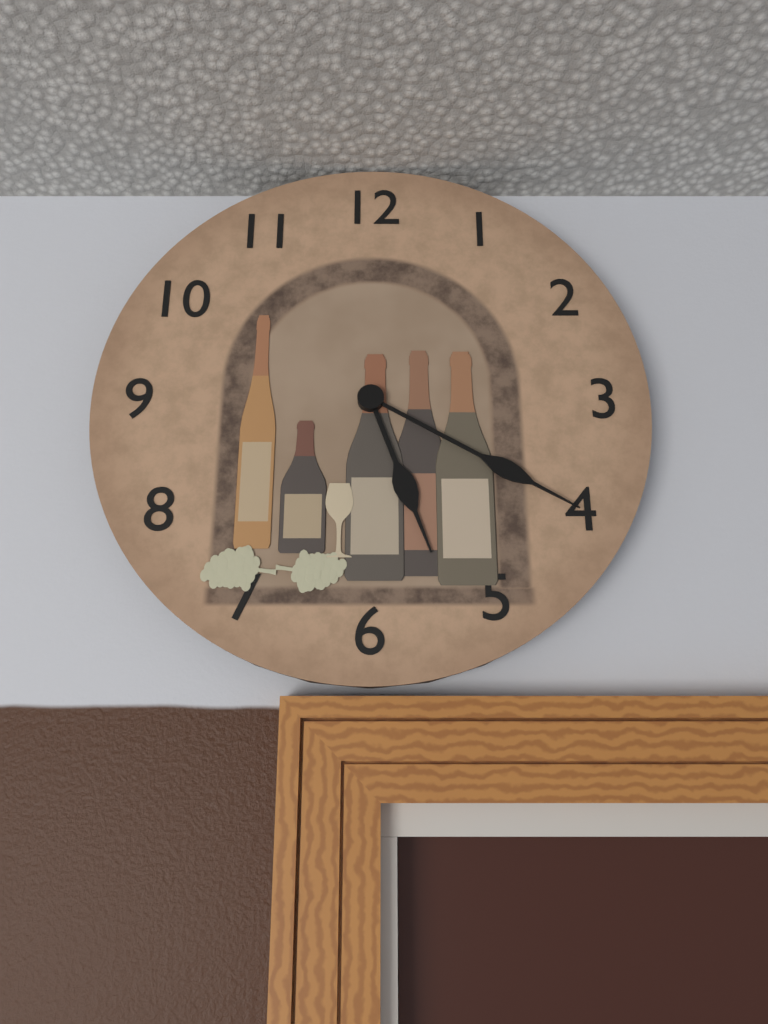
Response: **5:20**
